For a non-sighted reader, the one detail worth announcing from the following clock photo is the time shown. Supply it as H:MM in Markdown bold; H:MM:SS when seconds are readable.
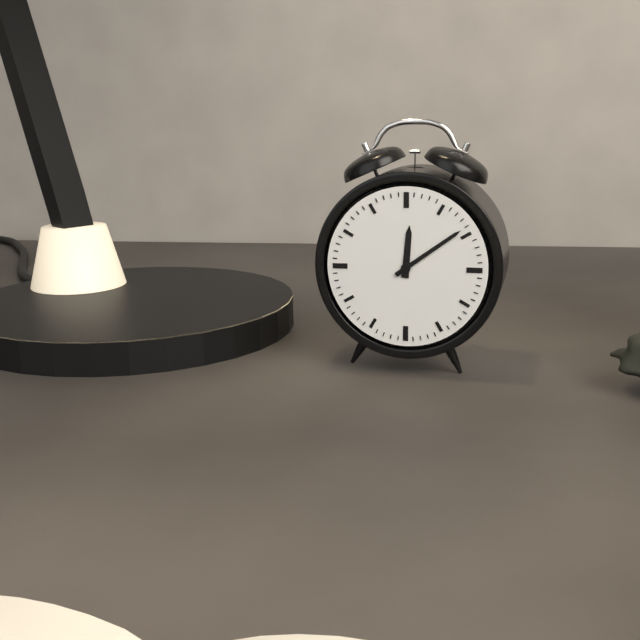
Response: **12:09**
